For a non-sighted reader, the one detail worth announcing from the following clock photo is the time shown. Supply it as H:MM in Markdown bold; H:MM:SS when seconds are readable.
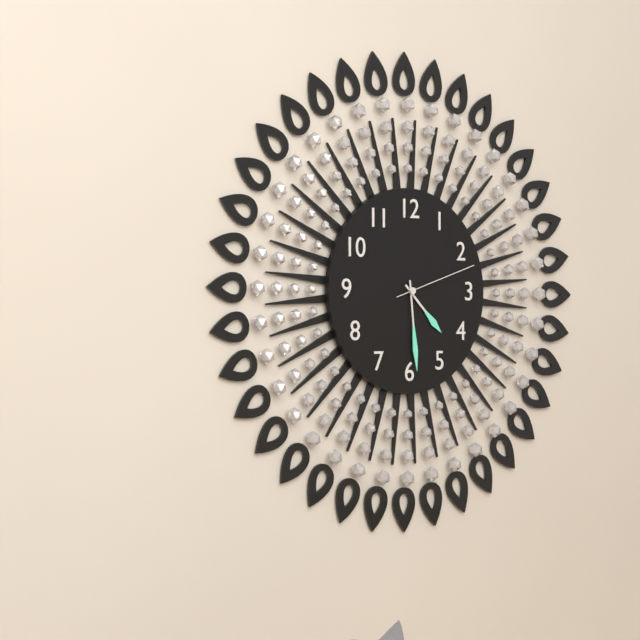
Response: **4:29:12**
